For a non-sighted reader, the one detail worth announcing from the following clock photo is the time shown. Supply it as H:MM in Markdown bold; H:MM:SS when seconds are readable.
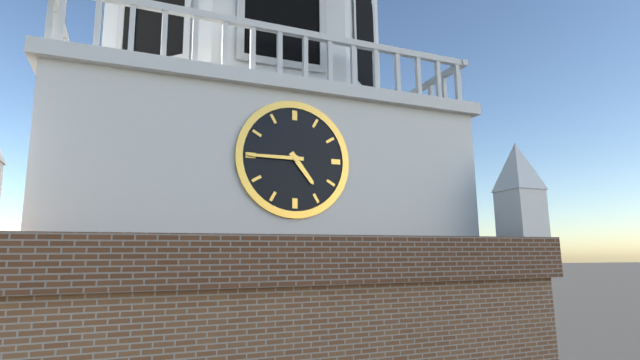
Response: **4:45**
